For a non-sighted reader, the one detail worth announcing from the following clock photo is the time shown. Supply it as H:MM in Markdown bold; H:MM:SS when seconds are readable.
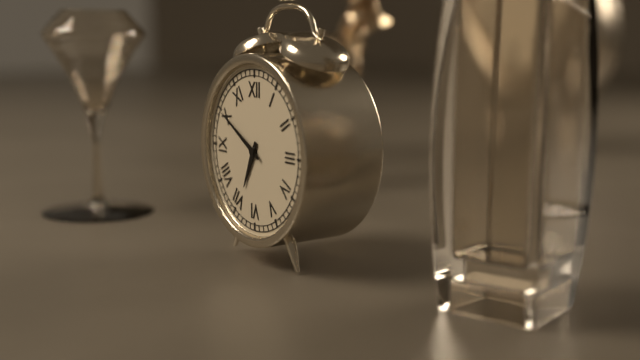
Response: **6:50**
